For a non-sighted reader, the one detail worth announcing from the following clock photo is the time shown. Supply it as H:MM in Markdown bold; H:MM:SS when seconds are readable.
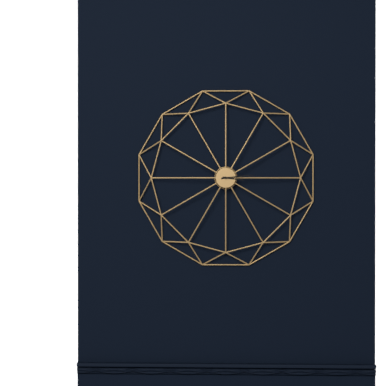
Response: **3:14**
